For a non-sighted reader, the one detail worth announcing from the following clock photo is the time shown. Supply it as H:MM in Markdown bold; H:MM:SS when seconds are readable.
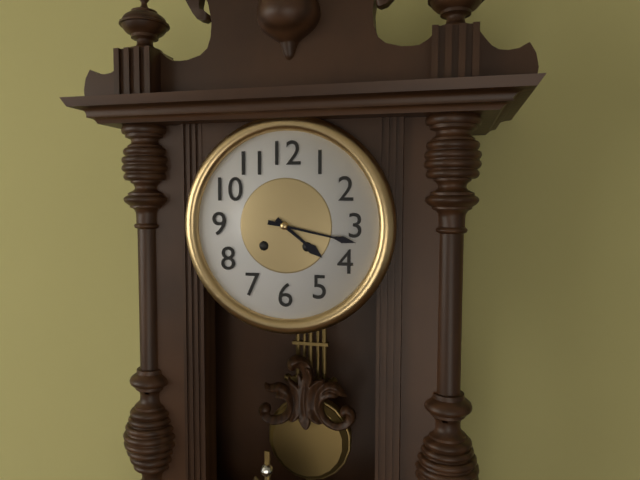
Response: **4:17**
